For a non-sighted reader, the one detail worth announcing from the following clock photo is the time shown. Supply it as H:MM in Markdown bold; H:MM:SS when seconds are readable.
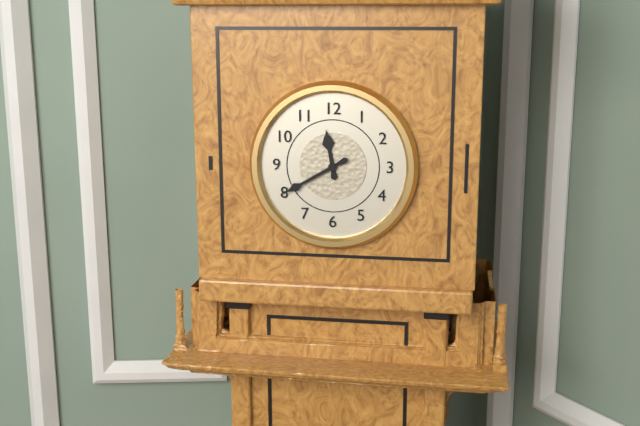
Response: **11:40**
